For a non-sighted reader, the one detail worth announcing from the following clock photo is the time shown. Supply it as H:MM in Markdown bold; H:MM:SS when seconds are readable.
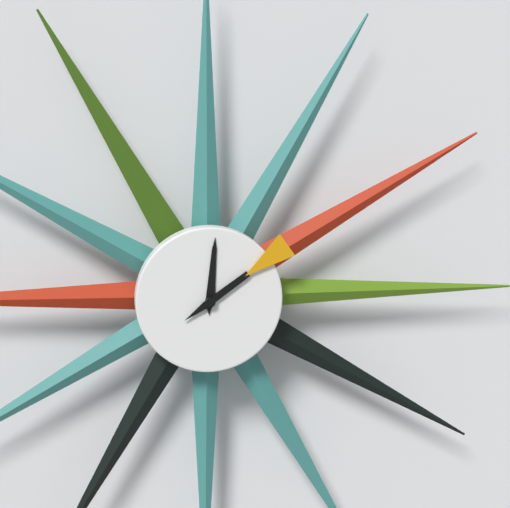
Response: **12:09**
